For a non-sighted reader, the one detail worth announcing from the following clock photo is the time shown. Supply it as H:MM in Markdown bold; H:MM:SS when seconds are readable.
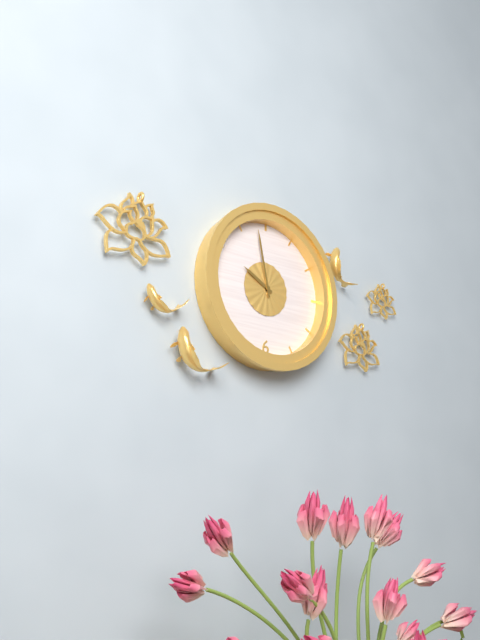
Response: **9:58**
